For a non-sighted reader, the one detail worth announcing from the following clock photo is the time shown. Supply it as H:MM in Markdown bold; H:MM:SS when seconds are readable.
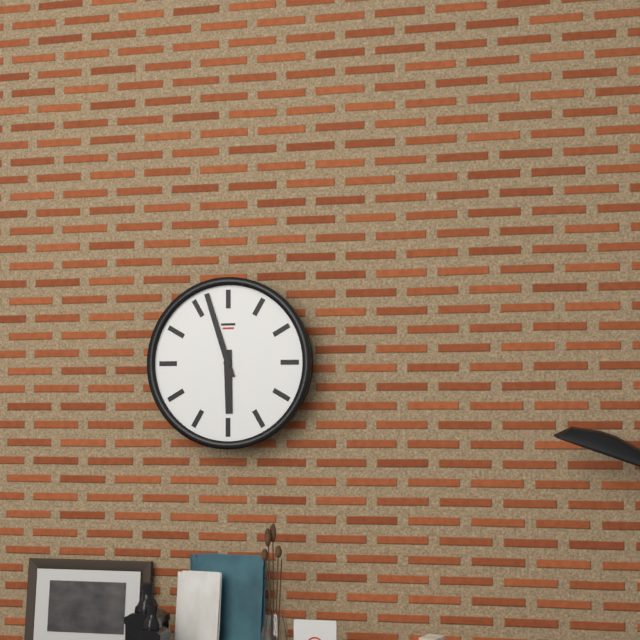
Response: **5:57**
